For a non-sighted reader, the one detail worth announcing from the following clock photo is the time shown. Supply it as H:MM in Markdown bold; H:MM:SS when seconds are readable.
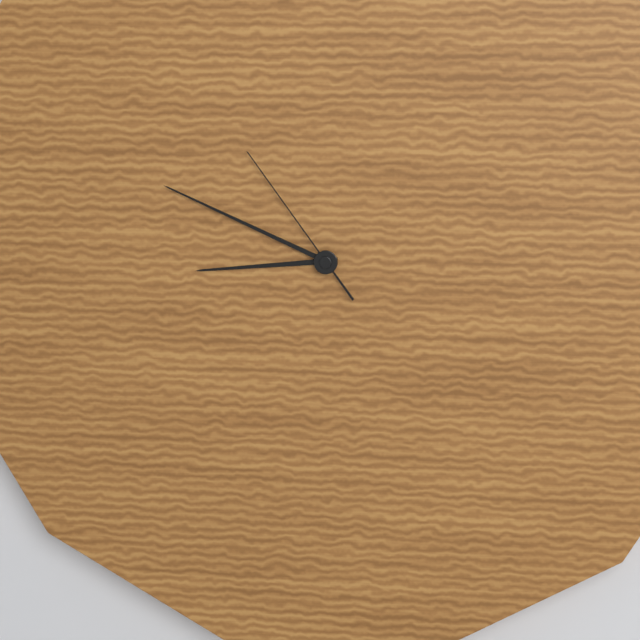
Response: **8:49:54**
